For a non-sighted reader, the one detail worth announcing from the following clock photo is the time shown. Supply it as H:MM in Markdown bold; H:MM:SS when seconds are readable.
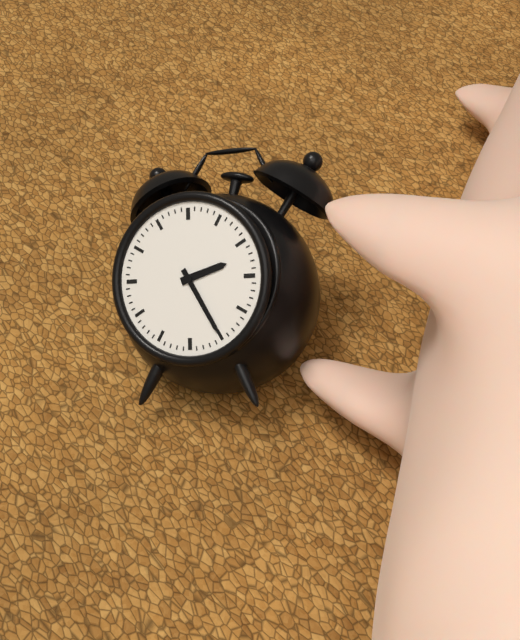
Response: **2:25**
